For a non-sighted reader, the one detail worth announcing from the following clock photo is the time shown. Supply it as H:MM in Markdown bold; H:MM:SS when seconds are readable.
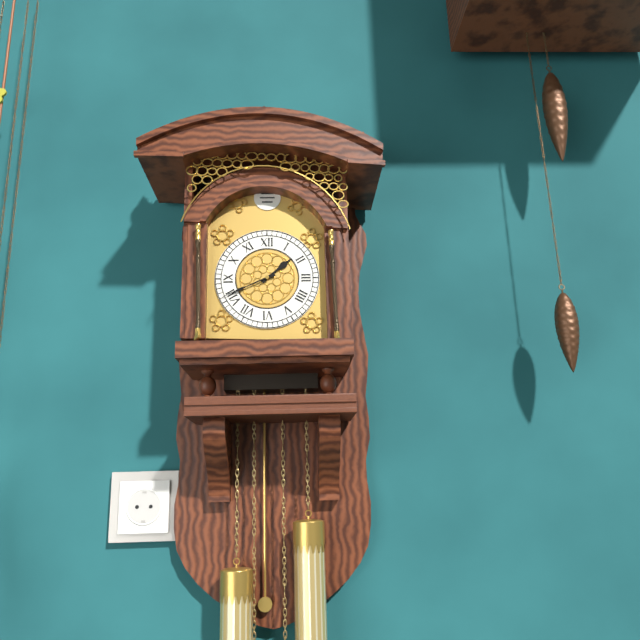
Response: **1:41**
